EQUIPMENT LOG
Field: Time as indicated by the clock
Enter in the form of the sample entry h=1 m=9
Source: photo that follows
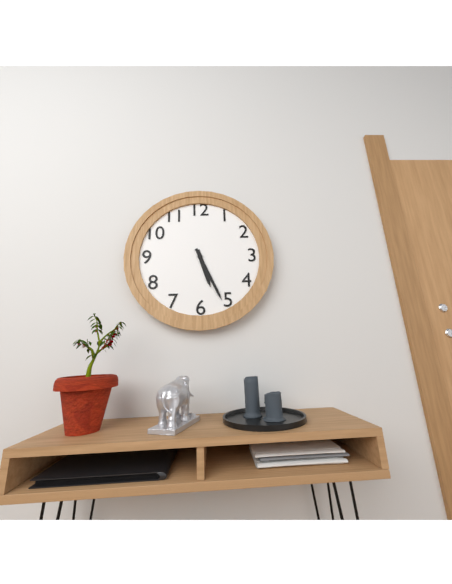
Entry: h=5 m=26
